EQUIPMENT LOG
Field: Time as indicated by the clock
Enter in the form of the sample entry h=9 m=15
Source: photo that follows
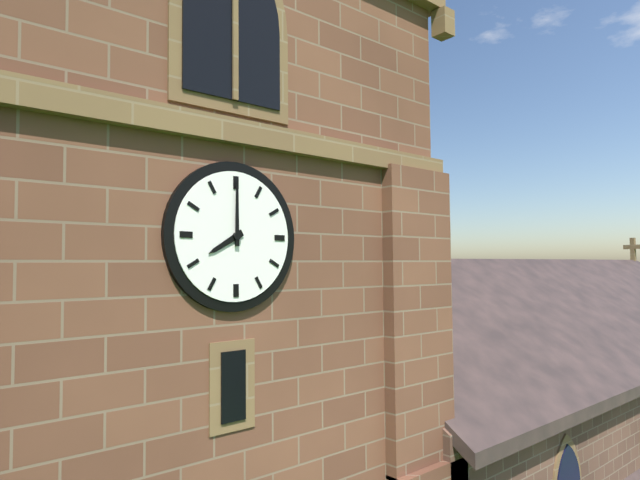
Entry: h=8 m=0
